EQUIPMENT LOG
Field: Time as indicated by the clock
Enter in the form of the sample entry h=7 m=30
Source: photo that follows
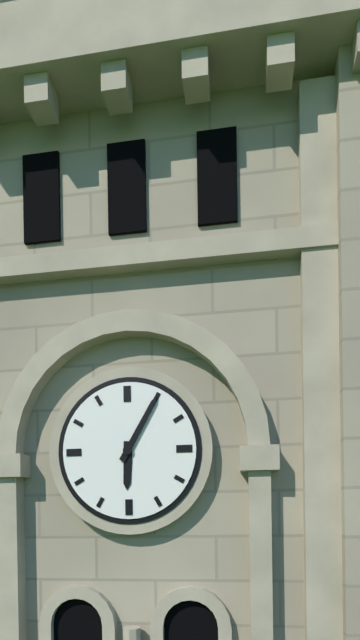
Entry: h=6 m=5
